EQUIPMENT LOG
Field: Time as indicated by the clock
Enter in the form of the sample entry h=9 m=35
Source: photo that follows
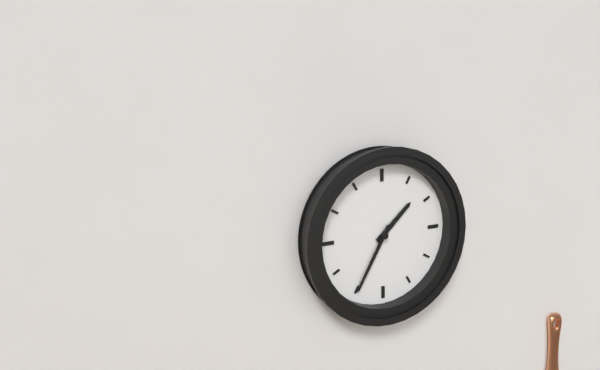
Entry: h=1 m=35
